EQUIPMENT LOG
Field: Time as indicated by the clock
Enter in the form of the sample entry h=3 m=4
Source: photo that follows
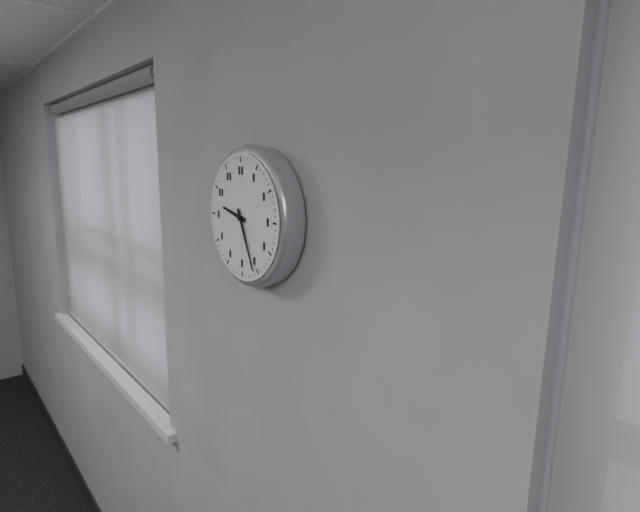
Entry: h=9 m=26
